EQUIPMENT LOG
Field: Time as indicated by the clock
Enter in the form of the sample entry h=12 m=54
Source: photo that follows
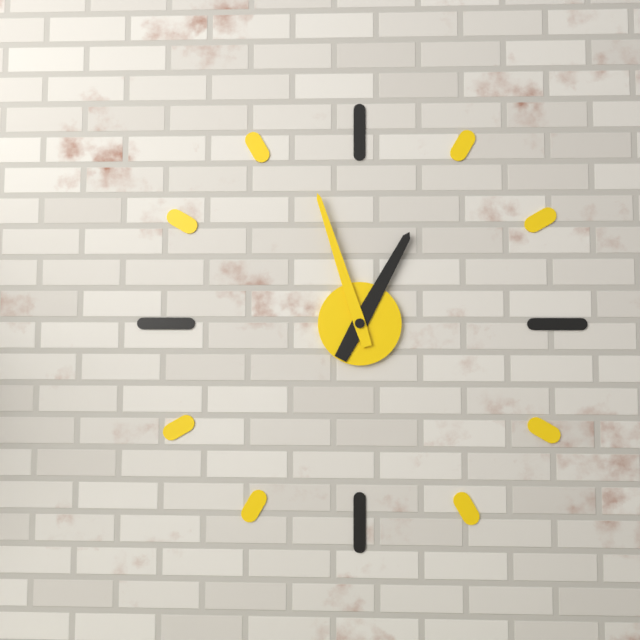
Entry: h=12 m=57
